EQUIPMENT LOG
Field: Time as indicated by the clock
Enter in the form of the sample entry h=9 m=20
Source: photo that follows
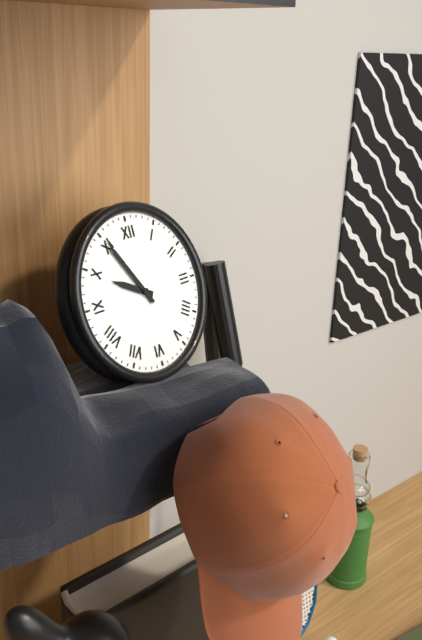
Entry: h=9 m=55
